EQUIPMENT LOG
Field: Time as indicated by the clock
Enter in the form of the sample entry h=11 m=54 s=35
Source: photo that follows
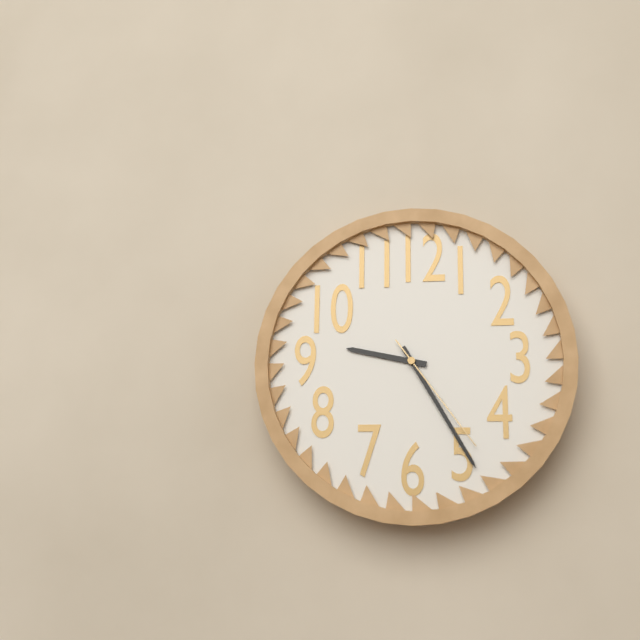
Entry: h=9 m=25 s=24
